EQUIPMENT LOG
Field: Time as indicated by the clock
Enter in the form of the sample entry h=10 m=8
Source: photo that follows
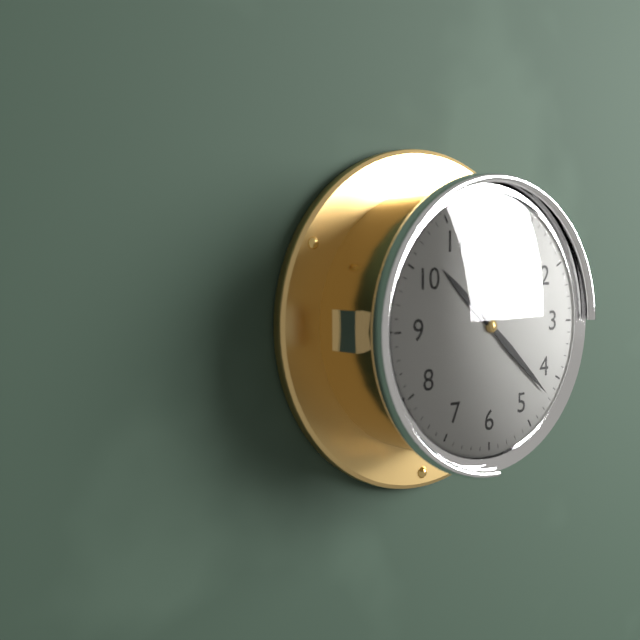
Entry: h=10 m=22
